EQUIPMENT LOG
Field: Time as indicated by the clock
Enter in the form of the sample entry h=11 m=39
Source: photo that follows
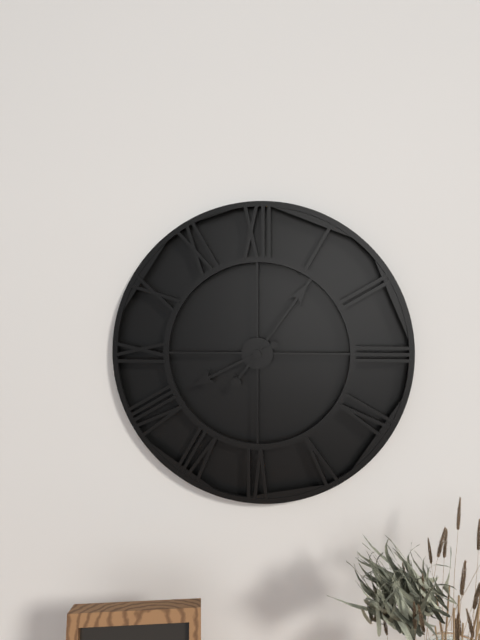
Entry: h=8 m=6
